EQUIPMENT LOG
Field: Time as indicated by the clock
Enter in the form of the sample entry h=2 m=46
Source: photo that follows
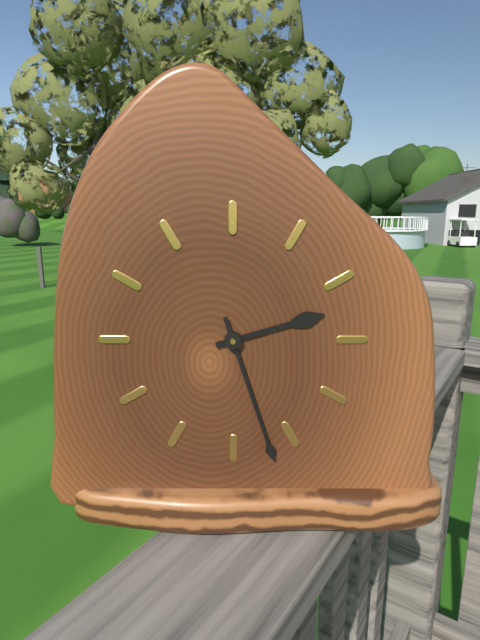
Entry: h=2 m=27
